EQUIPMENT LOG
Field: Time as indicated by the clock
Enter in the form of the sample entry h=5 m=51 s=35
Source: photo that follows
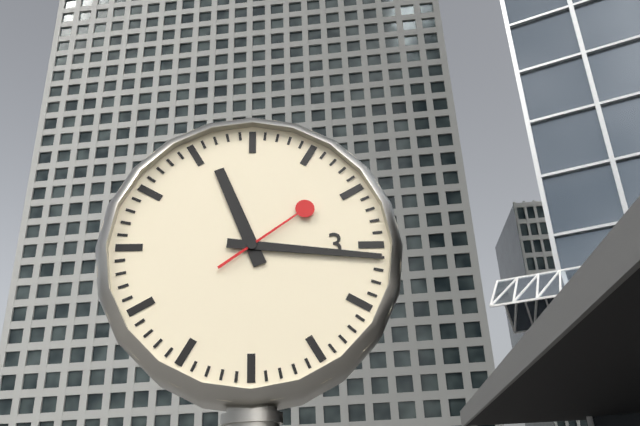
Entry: h=11 m=16 s=9
